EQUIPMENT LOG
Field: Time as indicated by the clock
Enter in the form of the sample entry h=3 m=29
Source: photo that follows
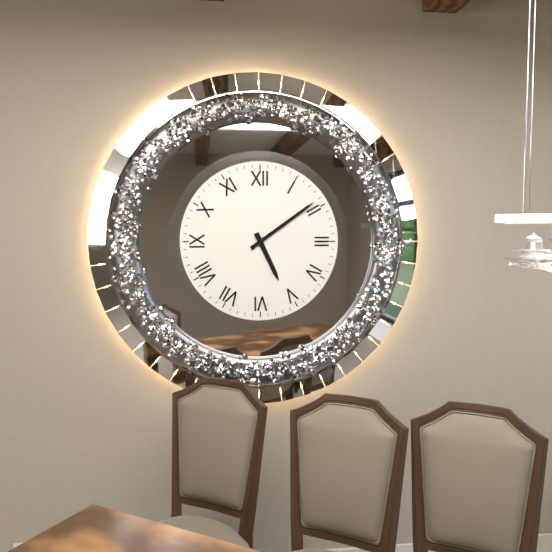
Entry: h=5 m=9
